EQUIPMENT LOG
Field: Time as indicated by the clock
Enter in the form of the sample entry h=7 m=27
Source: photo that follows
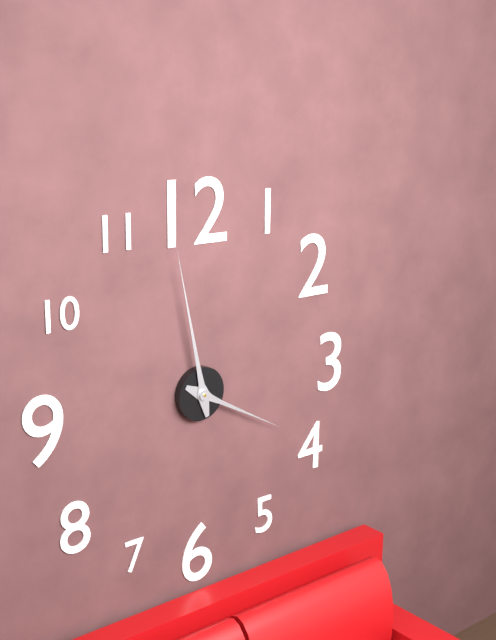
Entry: h=3 m=58
